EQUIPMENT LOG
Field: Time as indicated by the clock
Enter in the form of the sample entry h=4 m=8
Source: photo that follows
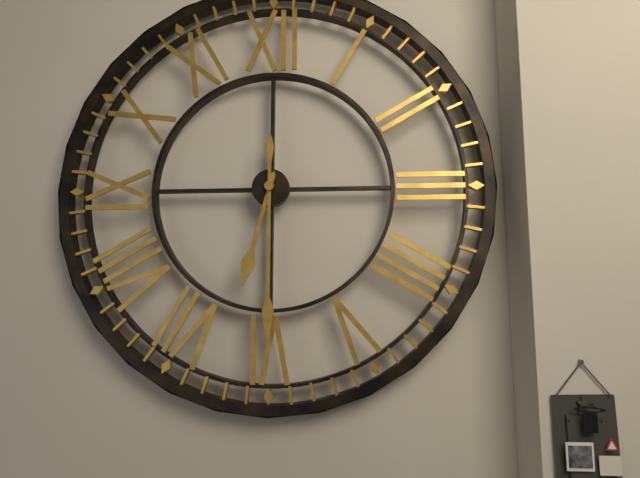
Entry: h=6 m=30
